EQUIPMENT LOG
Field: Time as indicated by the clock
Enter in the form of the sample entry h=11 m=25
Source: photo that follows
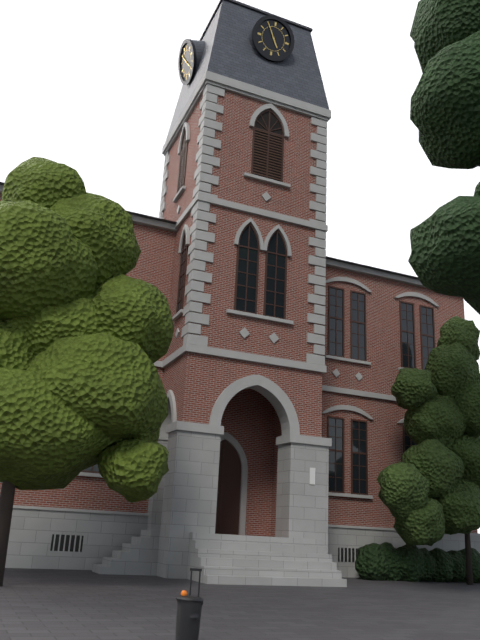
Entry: h=4 m=55
